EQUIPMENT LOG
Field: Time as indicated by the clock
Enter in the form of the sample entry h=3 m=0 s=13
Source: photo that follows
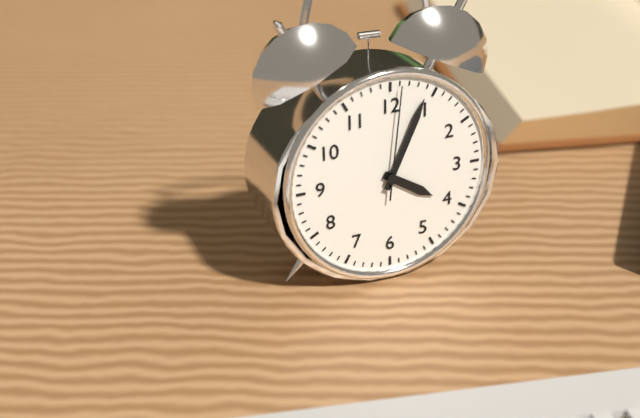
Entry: h=4 m=4 s=1
